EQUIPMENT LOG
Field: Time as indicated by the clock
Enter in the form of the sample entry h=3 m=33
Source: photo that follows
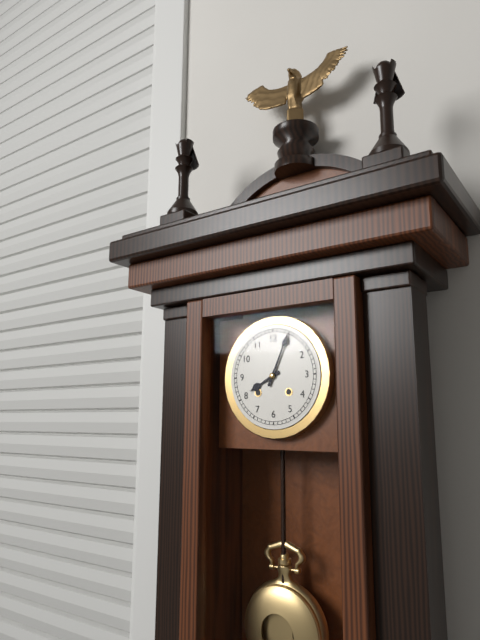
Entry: h=8 m=4
